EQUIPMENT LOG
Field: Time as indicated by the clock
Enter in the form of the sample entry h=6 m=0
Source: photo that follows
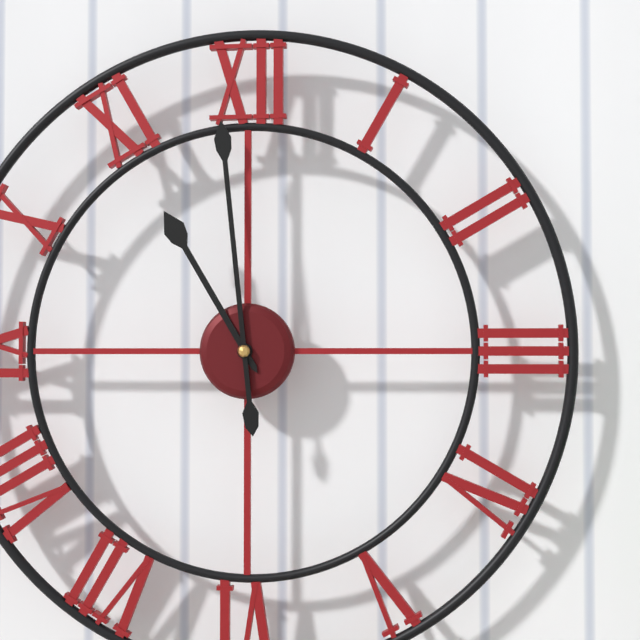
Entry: h=10 m=59
